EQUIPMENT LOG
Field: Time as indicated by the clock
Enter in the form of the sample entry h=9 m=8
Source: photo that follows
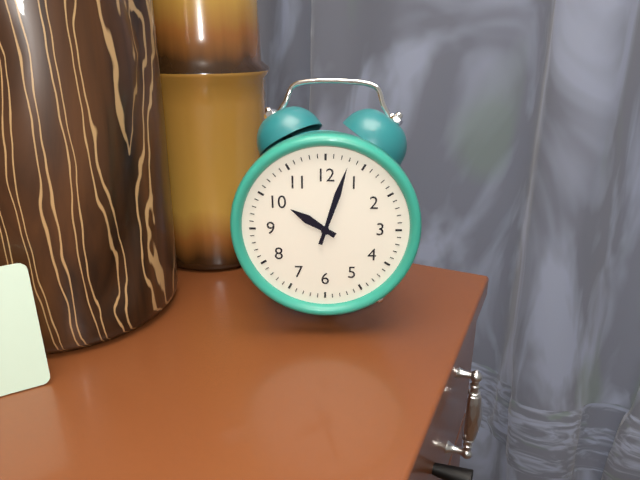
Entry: h=10 m=3
